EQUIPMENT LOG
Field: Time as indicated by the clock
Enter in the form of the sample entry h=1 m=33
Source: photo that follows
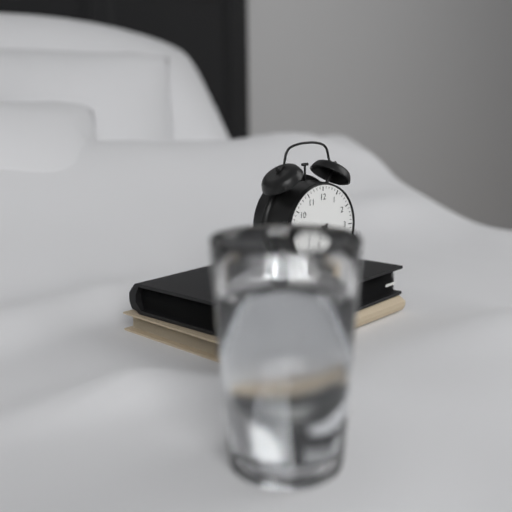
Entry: h=8 m=40
